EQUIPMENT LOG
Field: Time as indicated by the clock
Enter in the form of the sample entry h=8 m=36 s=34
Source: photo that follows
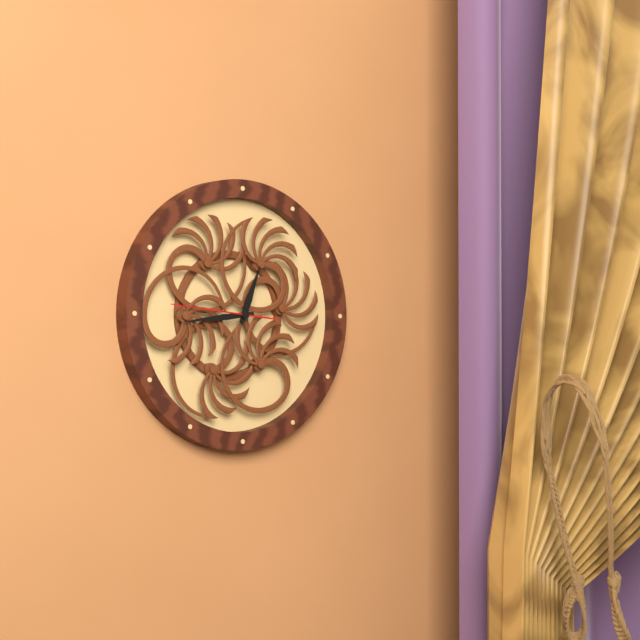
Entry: h=12 m=44 s=46
